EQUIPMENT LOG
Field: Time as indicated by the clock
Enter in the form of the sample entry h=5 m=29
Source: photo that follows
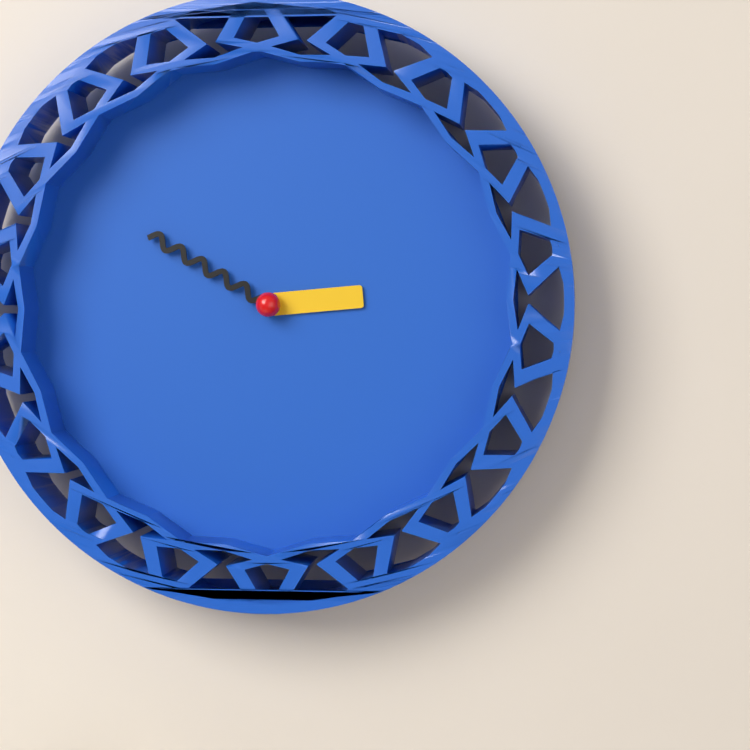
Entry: h=2 m=50
